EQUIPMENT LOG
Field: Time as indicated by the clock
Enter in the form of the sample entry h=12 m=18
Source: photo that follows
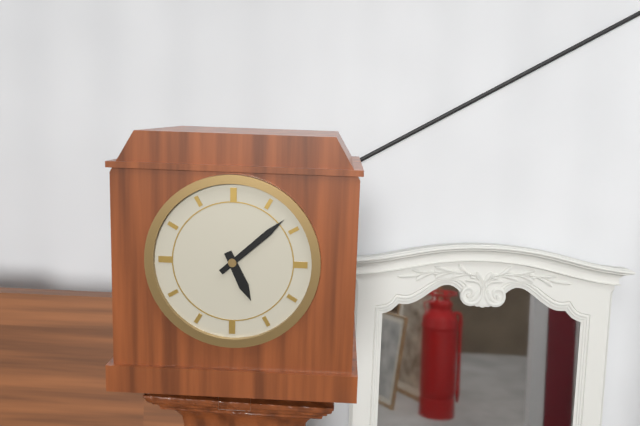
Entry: h=5 m=8
